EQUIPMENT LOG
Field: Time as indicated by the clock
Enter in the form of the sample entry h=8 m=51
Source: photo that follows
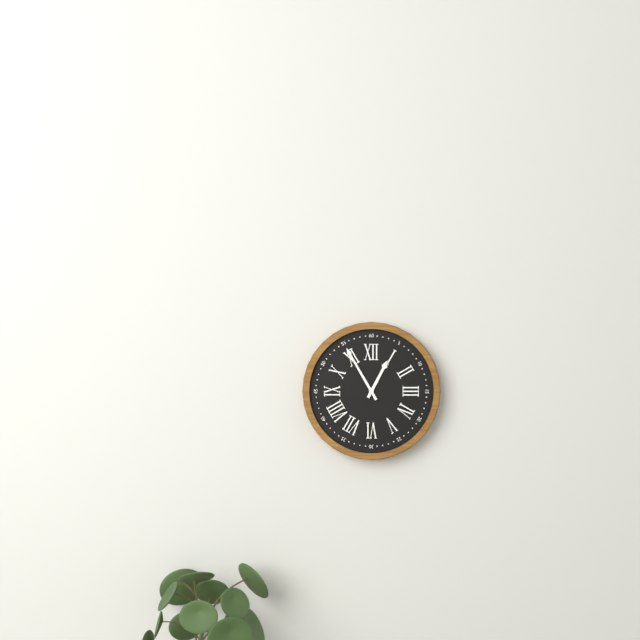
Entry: h=12 m=55
